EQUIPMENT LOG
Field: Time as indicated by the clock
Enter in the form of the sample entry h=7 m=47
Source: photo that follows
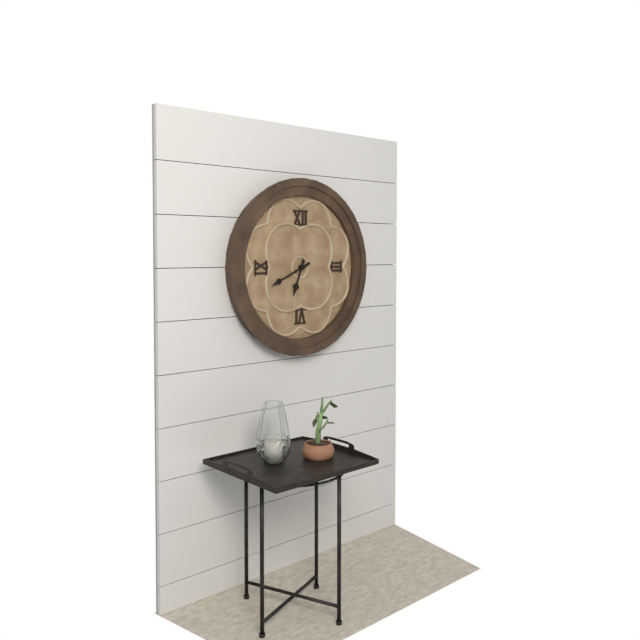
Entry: h=6 m=41
